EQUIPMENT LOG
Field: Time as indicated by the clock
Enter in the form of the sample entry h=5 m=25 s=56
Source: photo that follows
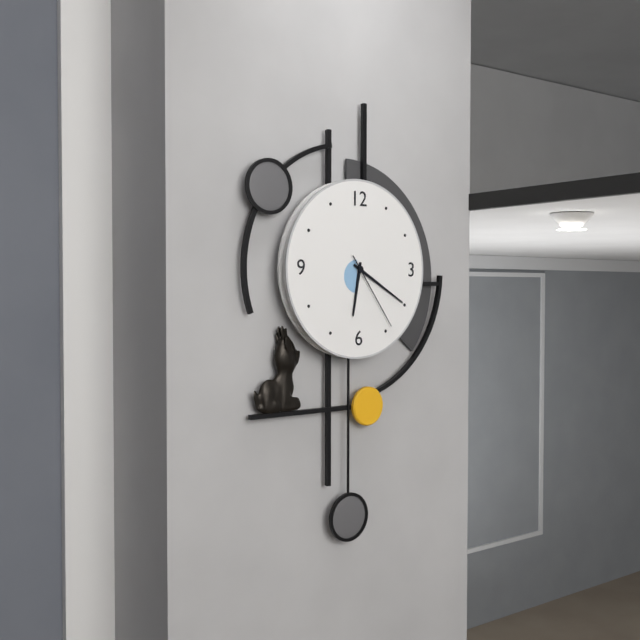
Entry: h=6 m=20 s=24
